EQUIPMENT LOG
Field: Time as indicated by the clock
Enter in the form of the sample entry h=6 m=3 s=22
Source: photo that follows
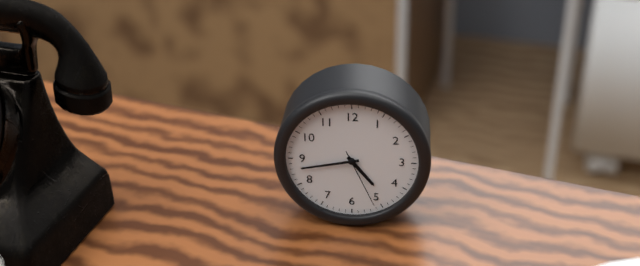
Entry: h=4 m=43 s=26
